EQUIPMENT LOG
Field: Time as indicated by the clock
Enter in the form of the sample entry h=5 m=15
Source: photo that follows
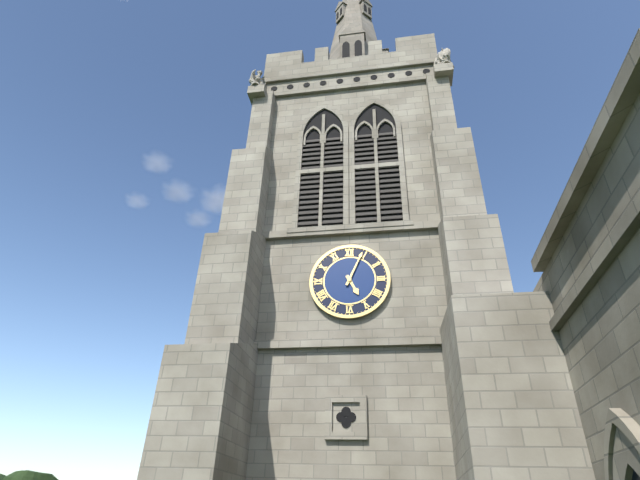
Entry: h=5 m=4
